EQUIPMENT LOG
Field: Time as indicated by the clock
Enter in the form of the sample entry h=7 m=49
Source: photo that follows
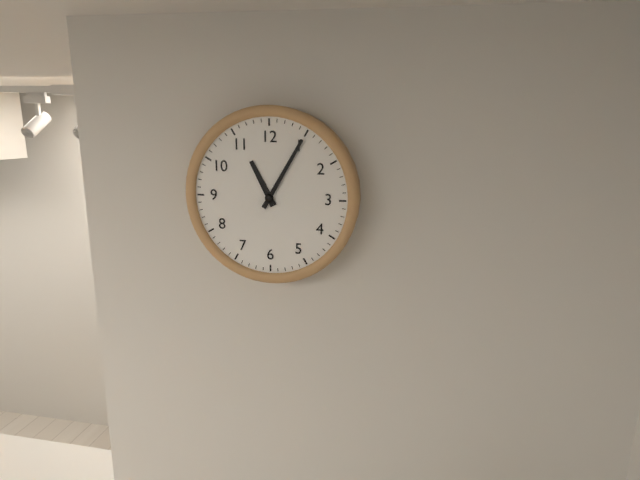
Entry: h=11 m=5
